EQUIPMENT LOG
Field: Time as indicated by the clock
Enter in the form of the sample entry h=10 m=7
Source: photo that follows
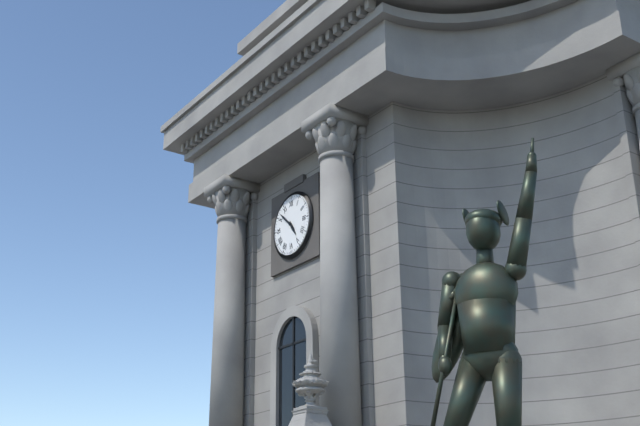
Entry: h=4 m=52
